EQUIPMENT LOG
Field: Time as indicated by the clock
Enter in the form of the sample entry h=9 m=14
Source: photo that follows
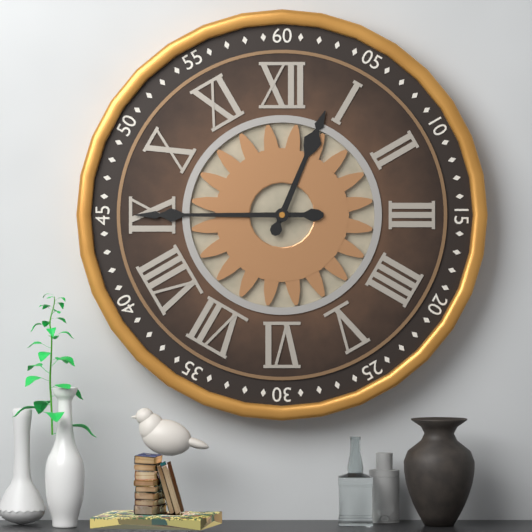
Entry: h=12 m=45
